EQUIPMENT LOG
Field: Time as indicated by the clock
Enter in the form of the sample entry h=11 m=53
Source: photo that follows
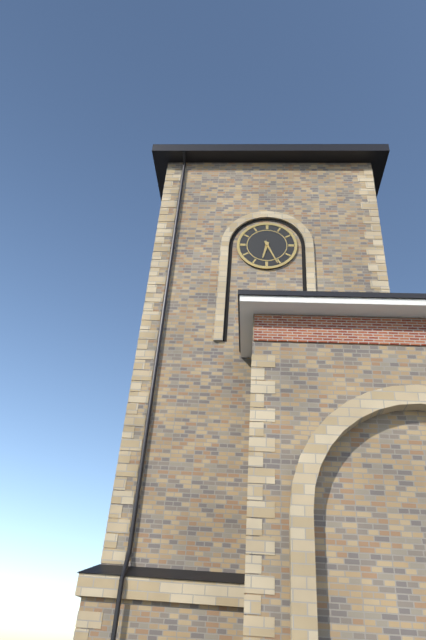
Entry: h=6 m=26
